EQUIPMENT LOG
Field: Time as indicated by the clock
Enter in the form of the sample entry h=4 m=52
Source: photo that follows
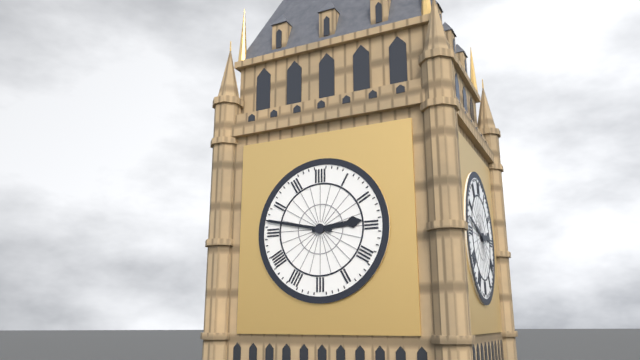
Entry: h=2 m=47
